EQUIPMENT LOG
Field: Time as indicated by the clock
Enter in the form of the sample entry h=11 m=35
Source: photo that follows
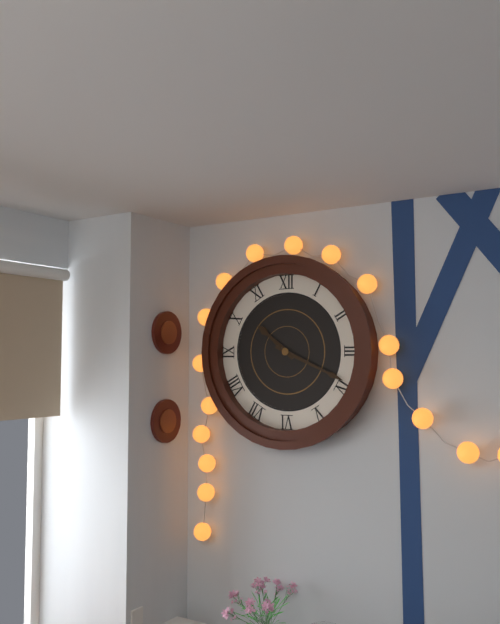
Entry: h=10 m=19
